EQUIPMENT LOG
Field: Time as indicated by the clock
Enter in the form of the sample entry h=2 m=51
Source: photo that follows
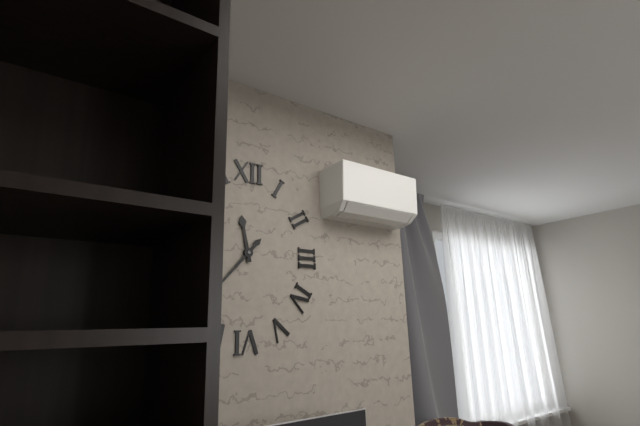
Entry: h=11 m=37
